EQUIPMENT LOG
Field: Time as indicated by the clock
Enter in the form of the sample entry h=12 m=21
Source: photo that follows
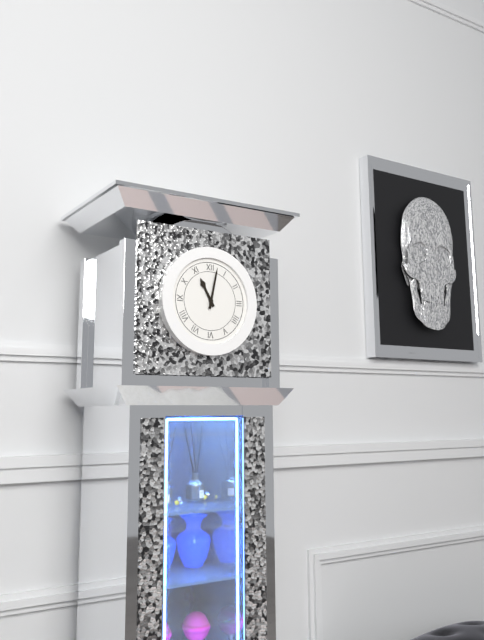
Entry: h=11 m=2
